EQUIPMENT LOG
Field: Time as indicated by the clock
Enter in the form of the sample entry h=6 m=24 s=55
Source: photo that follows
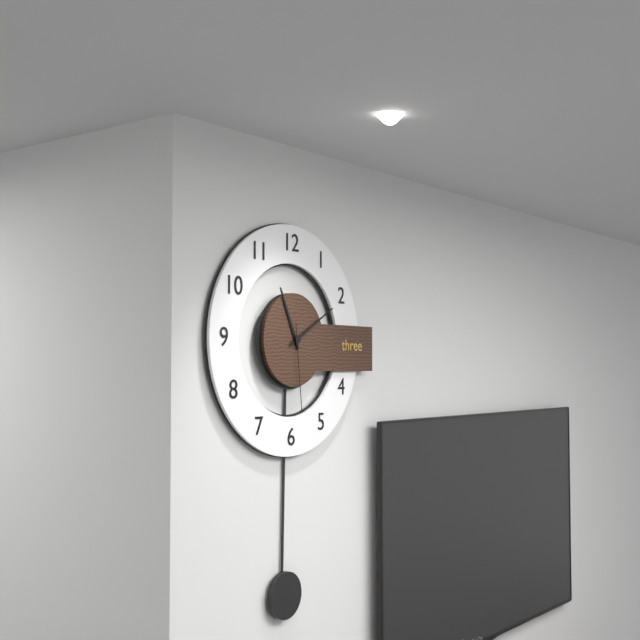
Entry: h=11 m=10 s=29
